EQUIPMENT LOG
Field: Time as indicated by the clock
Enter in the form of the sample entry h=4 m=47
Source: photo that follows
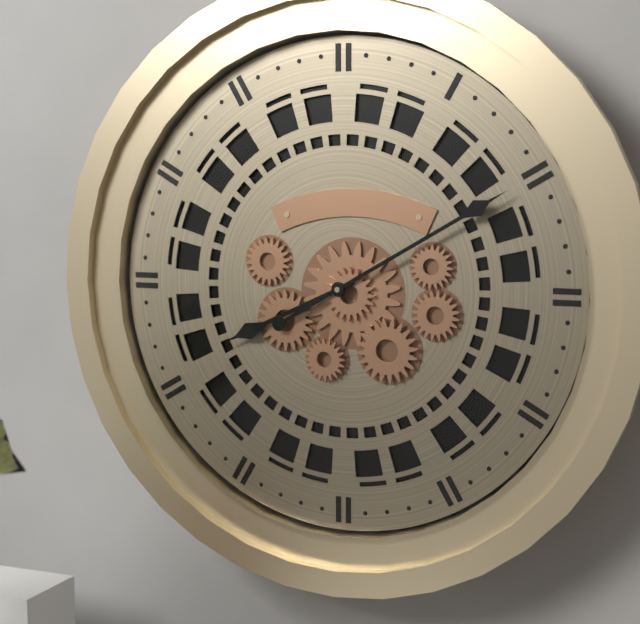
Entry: h=8 m=10
